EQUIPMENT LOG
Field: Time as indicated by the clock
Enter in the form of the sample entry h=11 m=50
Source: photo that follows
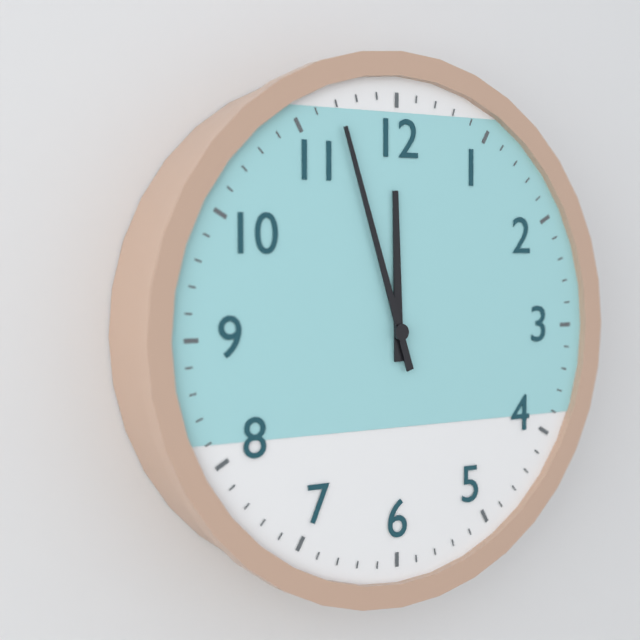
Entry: h=11 m=57
